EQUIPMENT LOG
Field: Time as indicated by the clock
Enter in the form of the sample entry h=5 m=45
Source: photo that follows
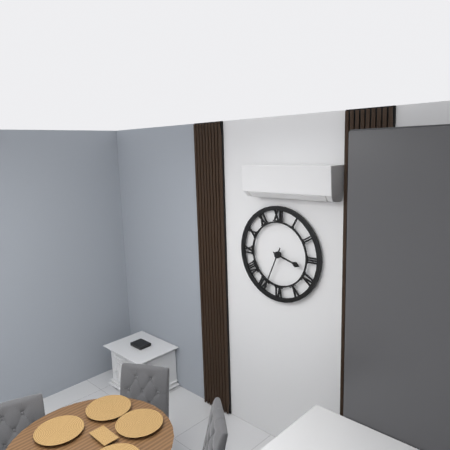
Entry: h=3 m=34
